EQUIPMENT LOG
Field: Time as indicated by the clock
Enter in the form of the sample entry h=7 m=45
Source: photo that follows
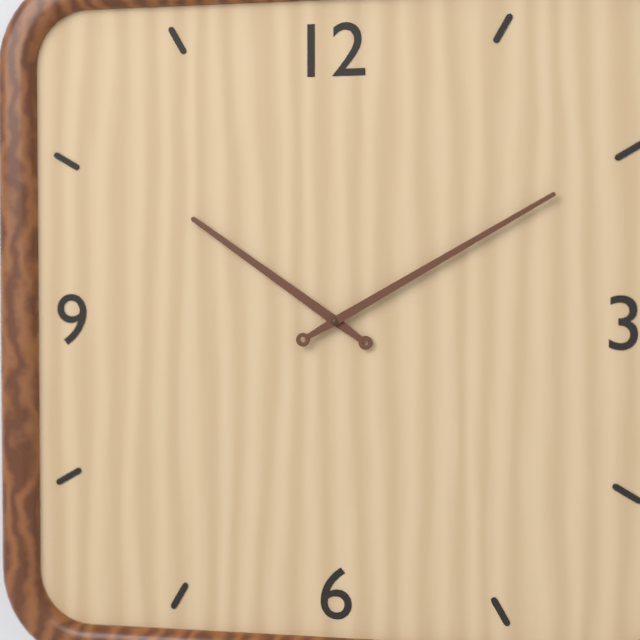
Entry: h=10 m=10
